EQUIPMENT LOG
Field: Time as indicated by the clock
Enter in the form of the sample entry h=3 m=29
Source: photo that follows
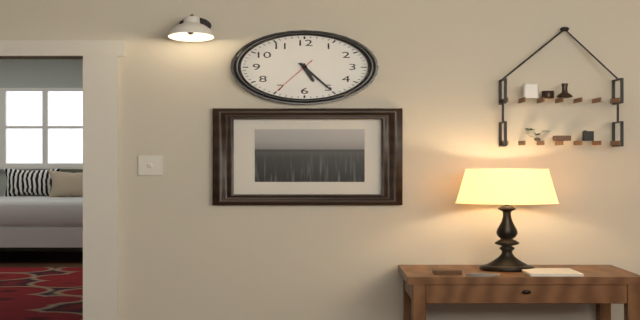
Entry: h=5 m=25
